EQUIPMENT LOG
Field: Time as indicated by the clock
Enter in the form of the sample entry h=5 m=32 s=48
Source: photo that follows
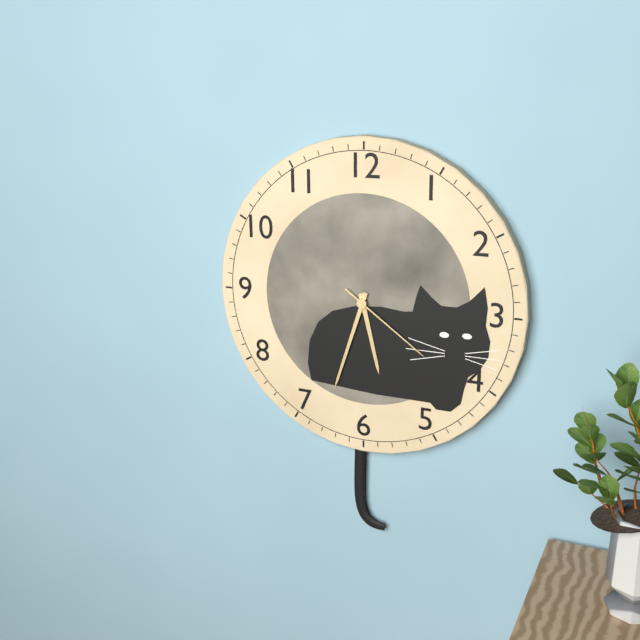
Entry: h=5 m=33 s=21
